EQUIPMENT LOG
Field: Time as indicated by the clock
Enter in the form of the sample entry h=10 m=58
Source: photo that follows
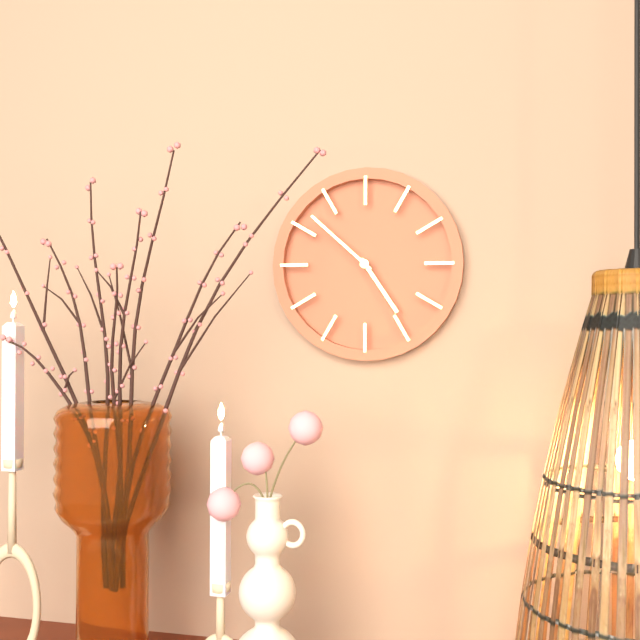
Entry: h=4 m=52
